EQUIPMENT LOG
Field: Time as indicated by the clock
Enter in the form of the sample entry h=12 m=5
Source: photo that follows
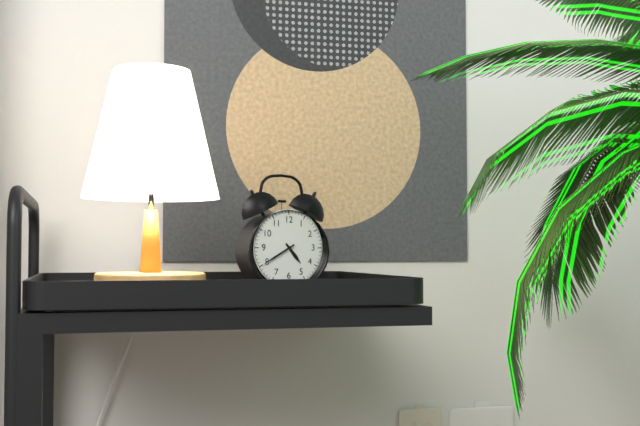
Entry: h=4 m=40
